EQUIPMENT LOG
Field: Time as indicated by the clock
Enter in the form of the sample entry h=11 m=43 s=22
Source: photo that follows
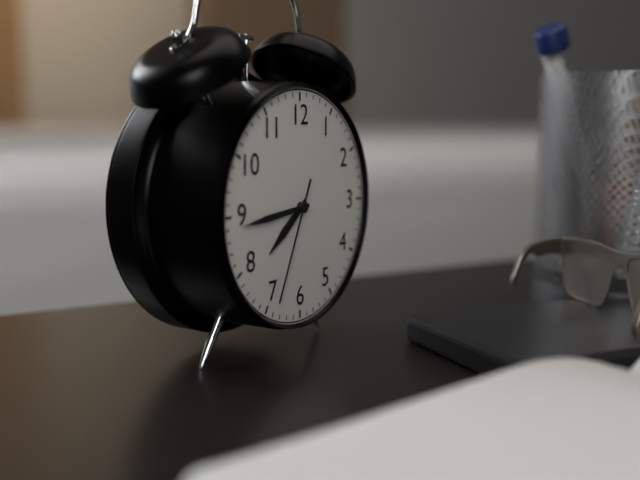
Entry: h=7 m=44 s=34
